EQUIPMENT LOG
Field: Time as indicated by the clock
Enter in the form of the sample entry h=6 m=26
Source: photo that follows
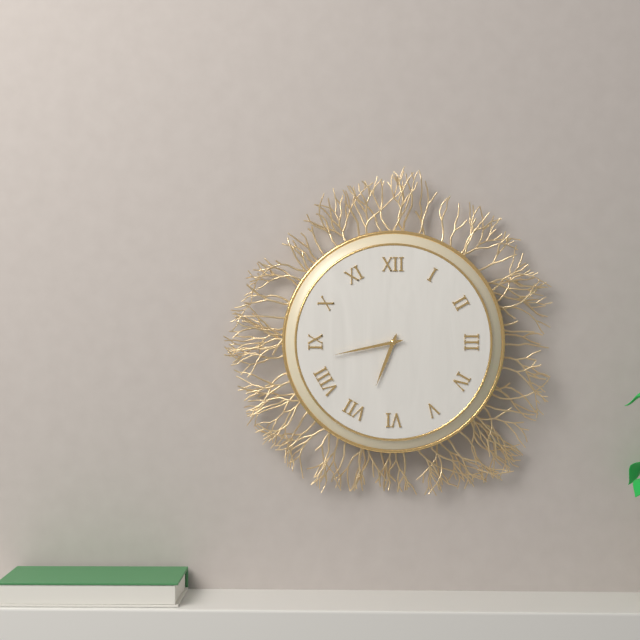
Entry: h=6 m=43
